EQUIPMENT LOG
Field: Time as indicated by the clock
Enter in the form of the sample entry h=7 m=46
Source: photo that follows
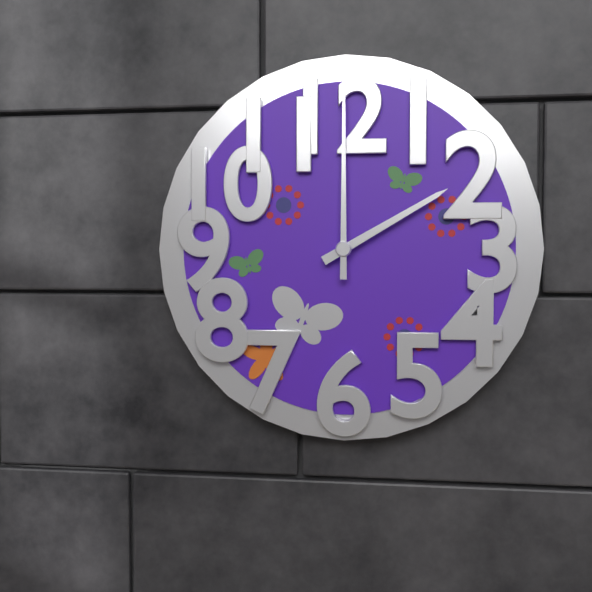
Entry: h=2 m=0
